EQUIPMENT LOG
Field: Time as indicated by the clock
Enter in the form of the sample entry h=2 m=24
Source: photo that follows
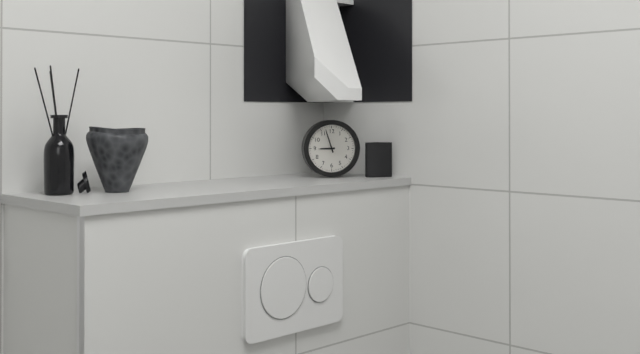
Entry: h=8 m=57
